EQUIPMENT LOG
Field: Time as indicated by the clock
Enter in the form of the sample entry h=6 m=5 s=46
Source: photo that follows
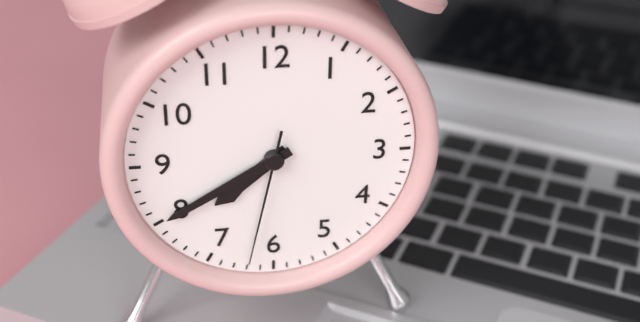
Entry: h=7 m=40 s=32
